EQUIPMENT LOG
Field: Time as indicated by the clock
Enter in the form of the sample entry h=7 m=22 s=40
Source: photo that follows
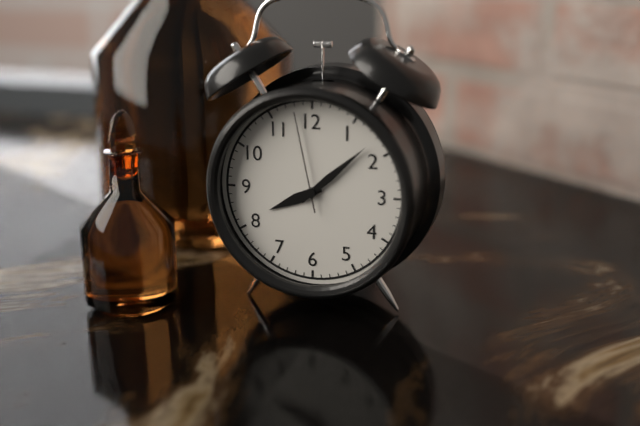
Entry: h=8 m=8 s=58
